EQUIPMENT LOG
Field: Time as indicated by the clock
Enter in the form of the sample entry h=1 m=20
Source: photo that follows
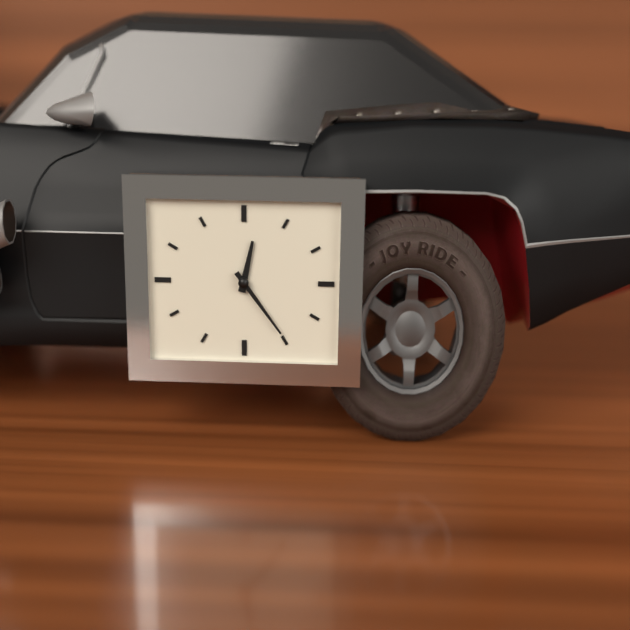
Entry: h=12 m=24
